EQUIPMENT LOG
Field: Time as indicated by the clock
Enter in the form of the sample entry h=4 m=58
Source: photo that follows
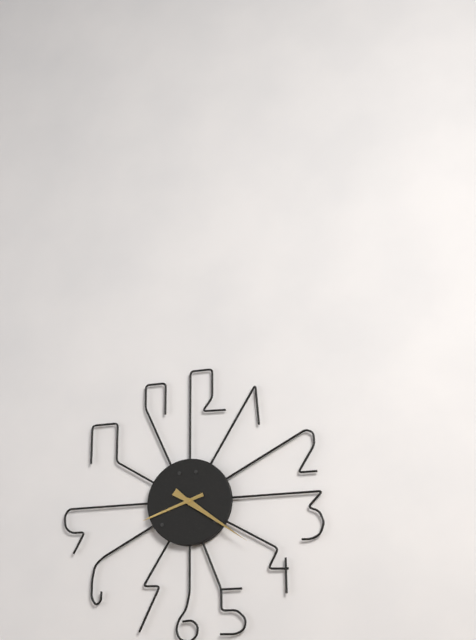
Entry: h=8 m=21
